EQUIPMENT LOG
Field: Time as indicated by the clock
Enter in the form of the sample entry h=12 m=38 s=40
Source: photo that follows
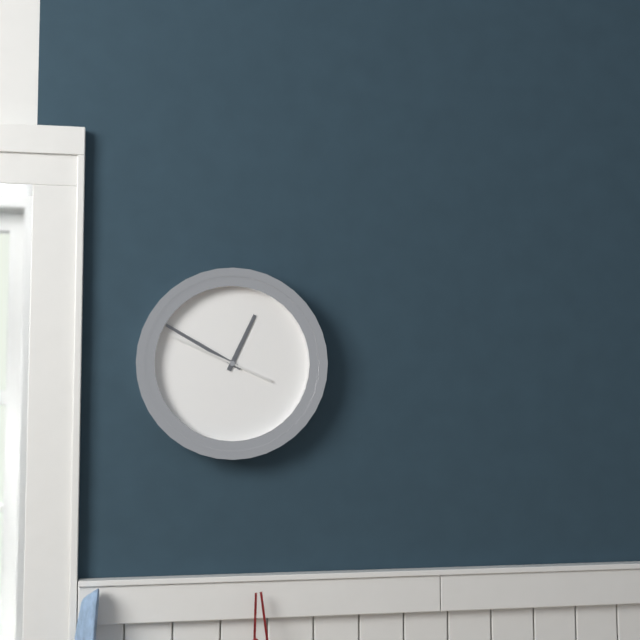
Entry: h=12 m=50 s=49
